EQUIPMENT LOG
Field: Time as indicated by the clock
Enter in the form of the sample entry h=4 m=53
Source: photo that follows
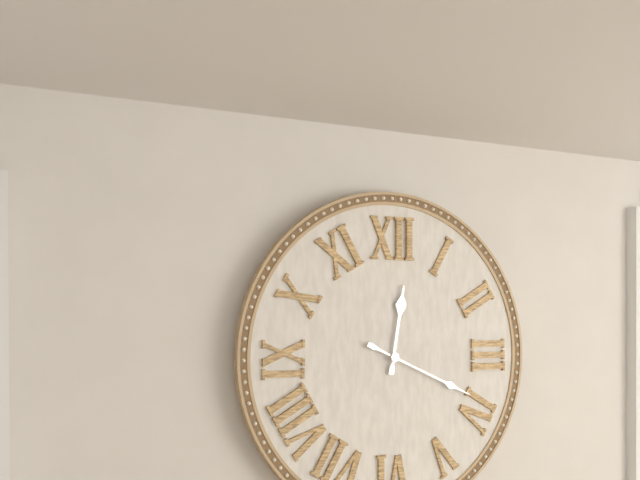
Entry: h=12 m=19
